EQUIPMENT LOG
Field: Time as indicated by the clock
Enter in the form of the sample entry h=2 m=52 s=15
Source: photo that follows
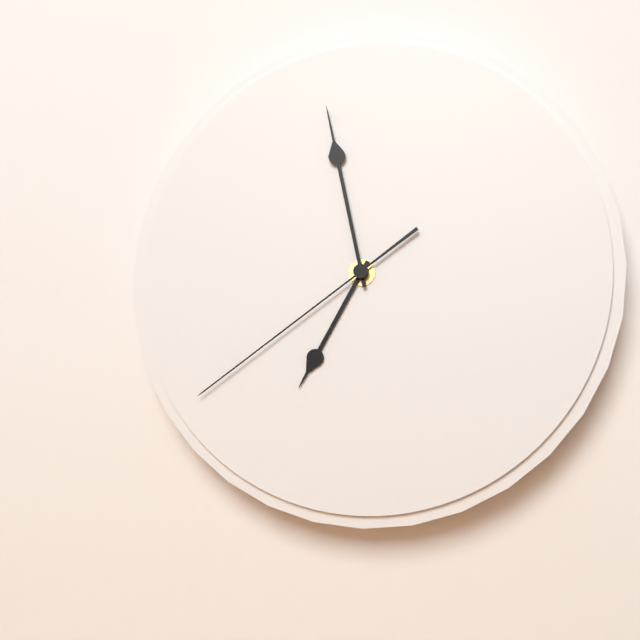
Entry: h=6 m=58 s=39
